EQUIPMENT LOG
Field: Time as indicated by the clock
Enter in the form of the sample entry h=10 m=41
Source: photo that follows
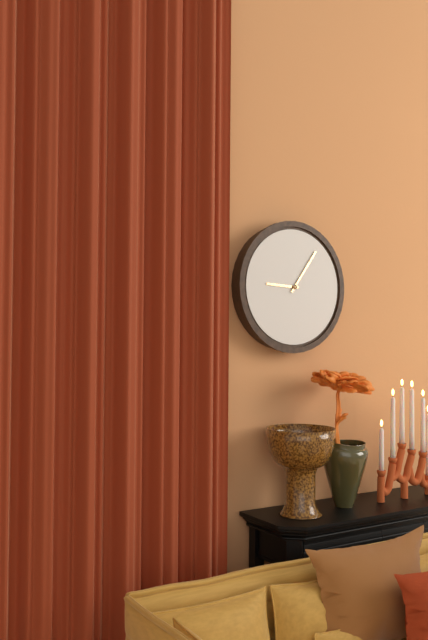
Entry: h=9 m=6
